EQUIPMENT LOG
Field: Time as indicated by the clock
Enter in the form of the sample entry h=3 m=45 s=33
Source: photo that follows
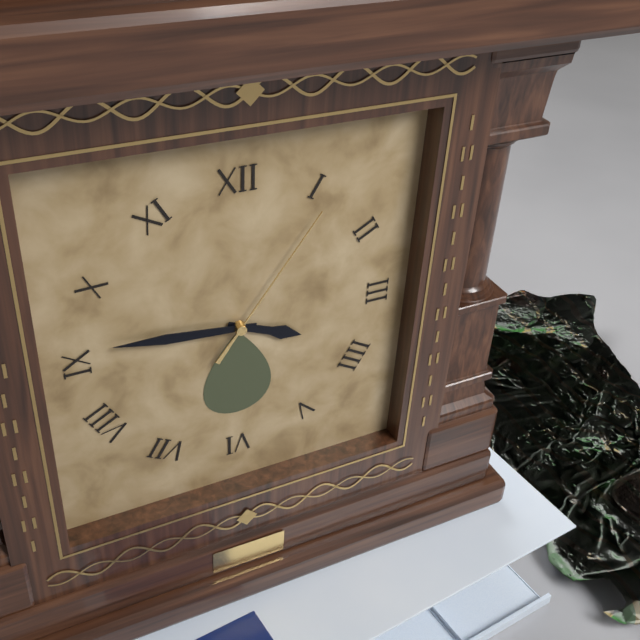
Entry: h=3 m=46 s=6
